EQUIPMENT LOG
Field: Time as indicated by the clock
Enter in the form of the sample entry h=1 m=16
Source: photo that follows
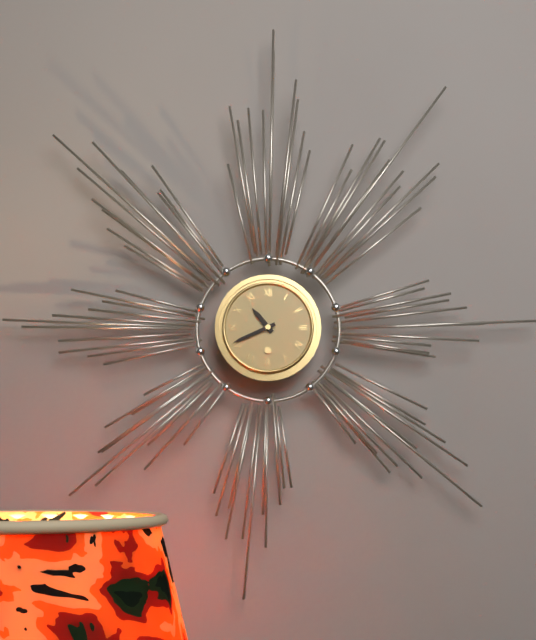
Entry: h=10 m=41
